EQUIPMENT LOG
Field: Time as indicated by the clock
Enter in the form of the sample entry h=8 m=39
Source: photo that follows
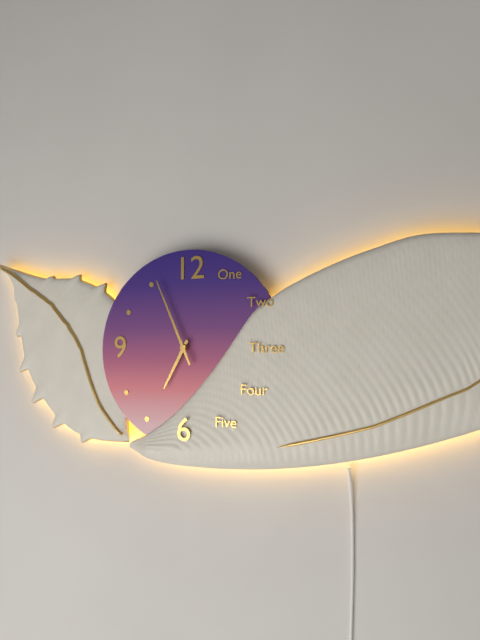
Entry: h=6 m=56
